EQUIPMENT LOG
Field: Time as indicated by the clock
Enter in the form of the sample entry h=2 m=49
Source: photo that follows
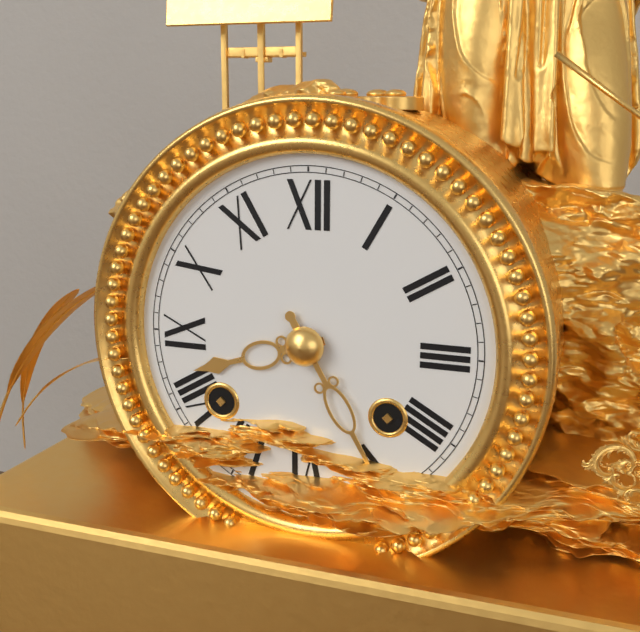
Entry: h=8 m=25
